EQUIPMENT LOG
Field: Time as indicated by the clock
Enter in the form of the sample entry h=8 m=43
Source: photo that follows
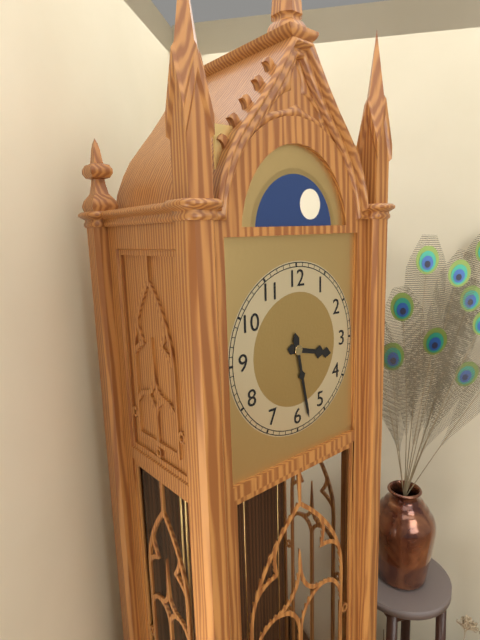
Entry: h=3 m=28
